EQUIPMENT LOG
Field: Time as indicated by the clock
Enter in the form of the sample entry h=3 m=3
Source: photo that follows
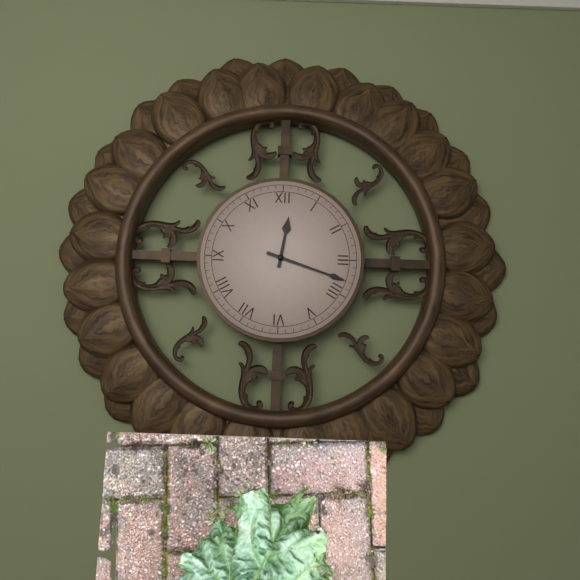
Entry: h=12 m=18
